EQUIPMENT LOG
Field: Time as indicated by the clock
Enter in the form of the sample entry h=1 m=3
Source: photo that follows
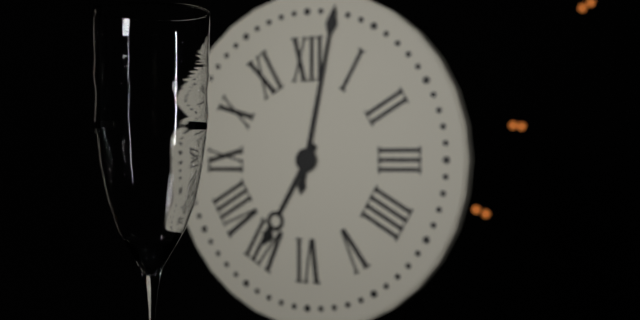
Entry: h=7 m=2
